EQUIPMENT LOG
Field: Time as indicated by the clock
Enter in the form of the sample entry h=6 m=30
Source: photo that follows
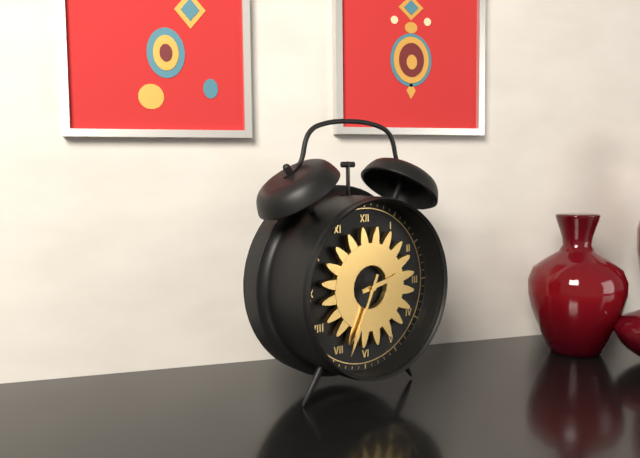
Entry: h=2 m=34
